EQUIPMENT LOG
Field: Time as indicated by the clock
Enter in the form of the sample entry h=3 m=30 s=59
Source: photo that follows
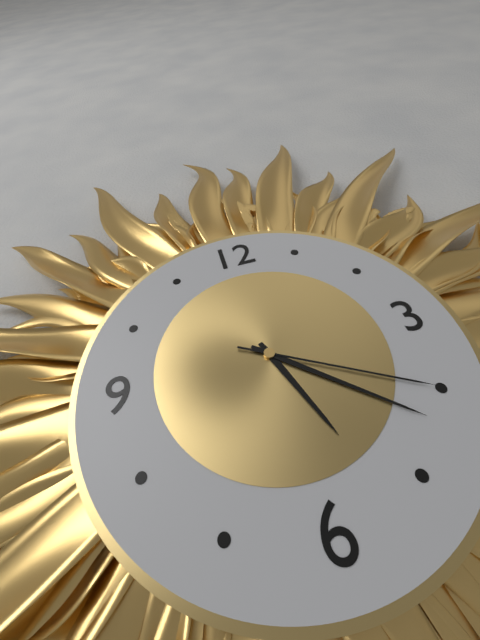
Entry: h=5 m=22 s=20
